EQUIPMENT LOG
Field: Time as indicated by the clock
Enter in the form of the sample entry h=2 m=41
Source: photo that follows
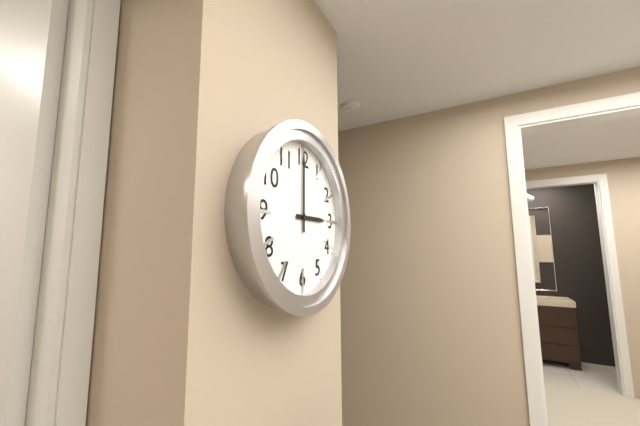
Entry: h=3 m=0
